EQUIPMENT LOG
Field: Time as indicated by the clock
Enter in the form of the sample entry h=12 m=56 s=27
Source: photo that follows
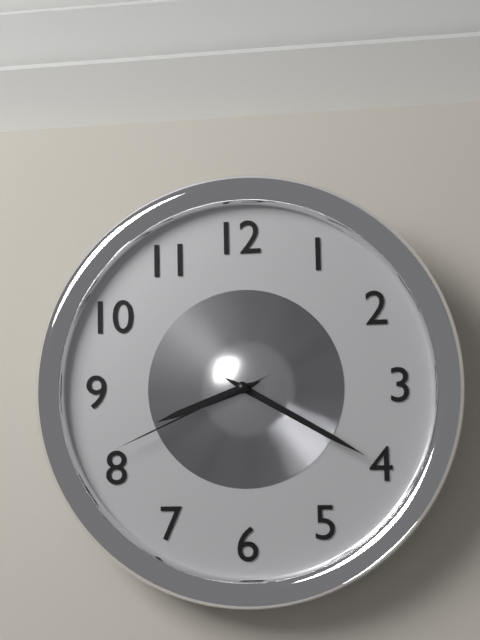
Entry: h=8 m=20 s=41
